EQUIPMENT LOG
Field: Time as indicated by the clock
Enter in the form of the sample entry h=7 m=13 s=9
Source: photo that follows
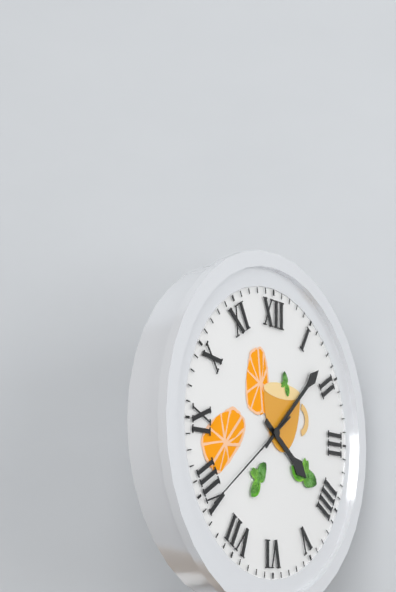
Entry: h=4 m=8 s=39
